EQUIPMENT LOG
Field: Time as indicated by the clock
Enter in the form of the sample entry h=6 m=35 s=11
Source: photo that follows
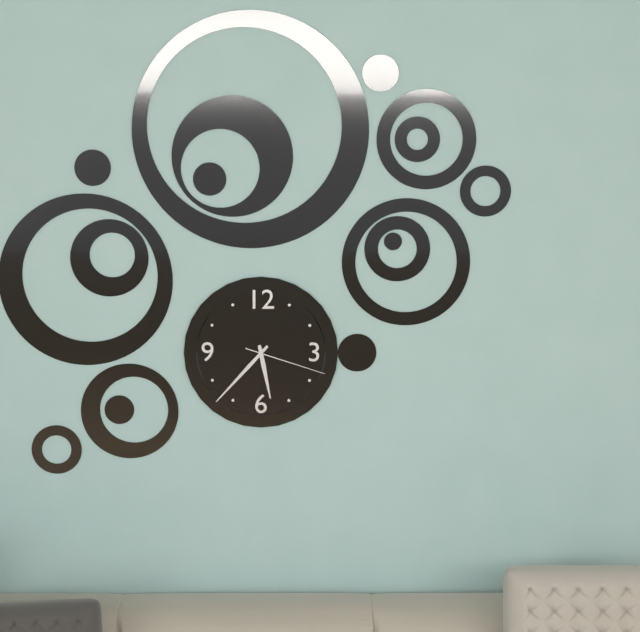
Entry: h=5 m=37 s=18
